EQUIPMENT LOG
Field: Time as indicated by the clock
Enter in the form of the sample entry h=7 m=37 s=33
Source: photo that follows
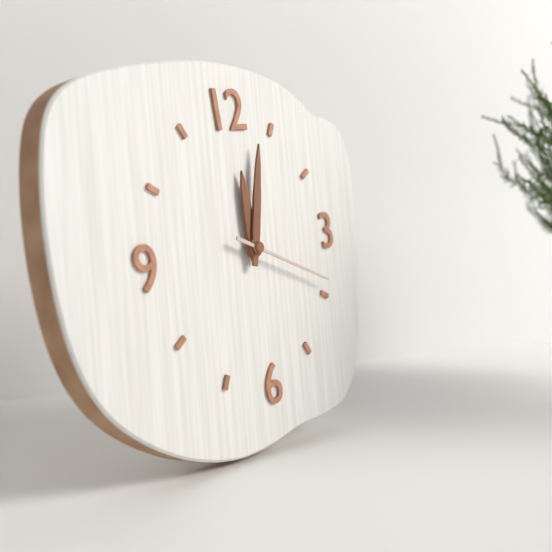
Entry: h=12 m=3 s=19
